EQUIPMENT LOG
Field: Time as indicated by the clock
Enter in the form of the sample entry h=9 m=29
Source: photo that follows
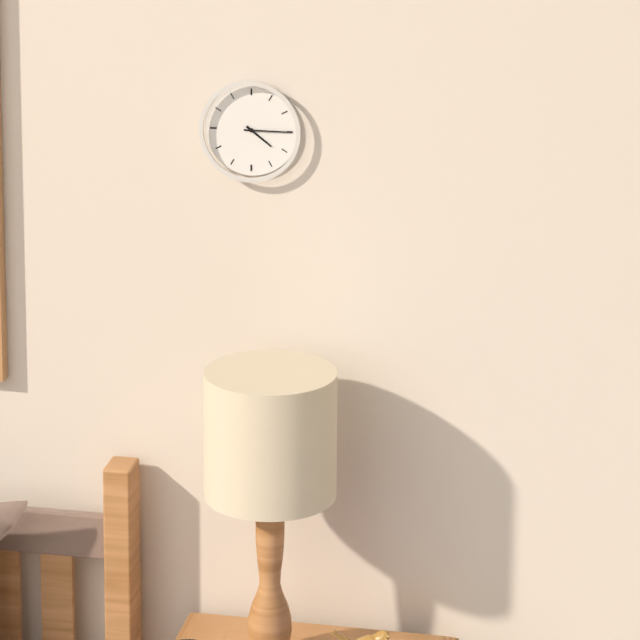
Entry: h=4 m=15
